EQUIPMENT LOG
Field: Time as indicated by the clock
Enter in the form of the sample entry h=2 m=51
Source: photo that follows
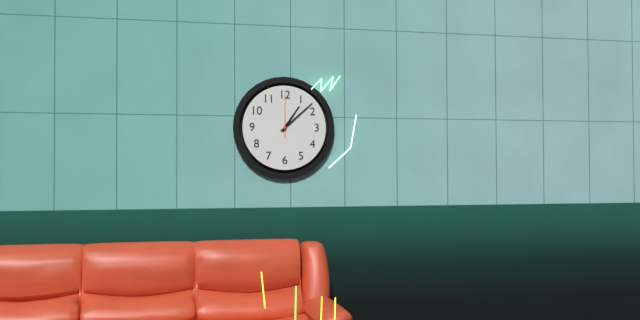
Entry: h=1 m=8
